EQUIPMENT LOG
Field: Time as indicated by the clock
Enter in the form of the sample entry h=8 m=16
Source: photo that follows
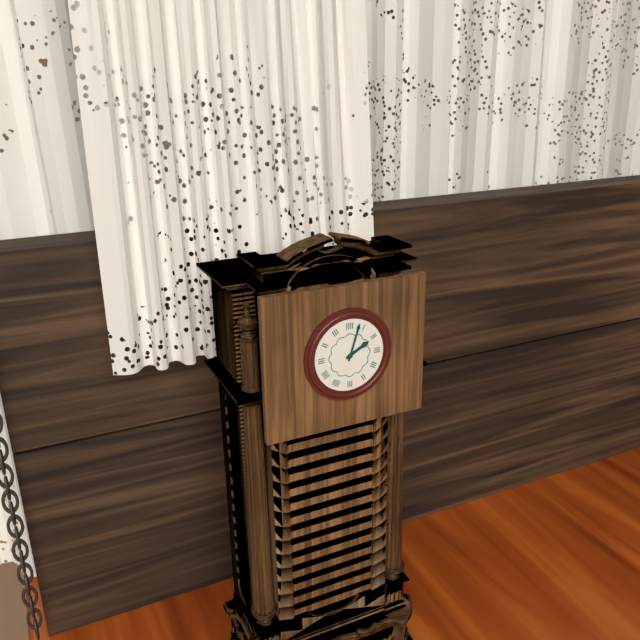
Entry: h=2 m=3
